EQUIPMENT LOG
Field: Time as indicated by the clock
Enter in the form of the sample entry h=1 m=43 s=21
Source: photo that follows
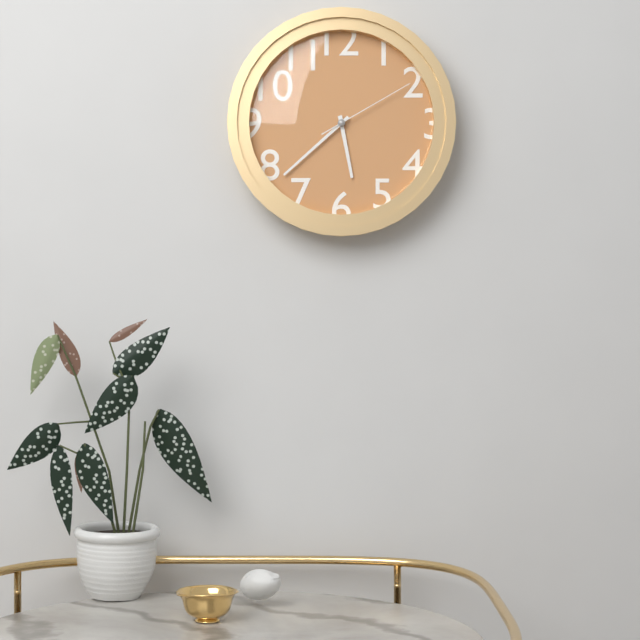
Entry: h=5 m=38 s=10
